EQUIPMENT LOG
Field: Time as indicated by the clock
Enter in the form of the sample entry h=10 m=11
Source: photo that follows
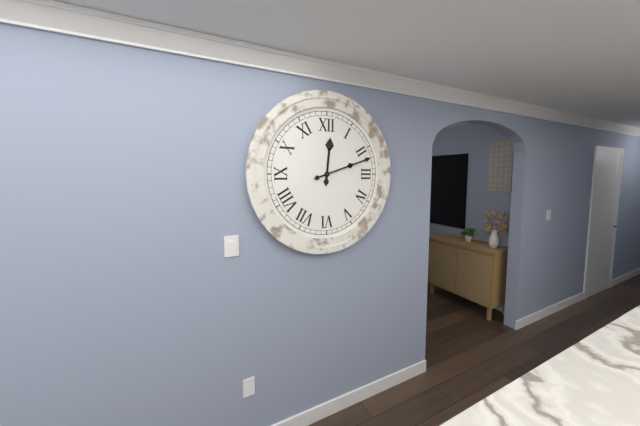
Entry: h=12 m=12
